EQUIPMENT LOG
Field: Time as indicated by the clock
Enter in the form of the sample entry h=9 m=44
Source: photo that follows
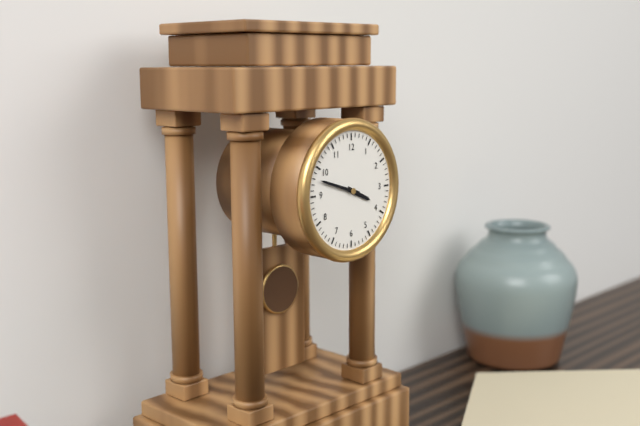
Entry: h=3 m=48
